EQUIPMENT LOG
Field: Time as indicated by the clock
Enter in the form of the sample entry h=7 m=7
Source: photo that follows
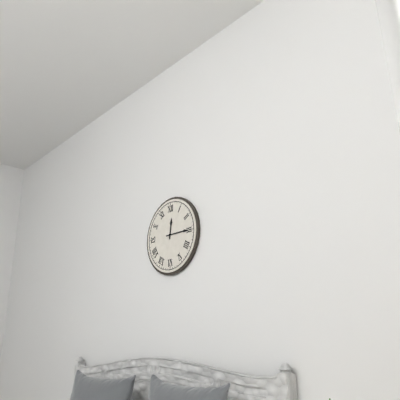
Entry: h=12 m=15
